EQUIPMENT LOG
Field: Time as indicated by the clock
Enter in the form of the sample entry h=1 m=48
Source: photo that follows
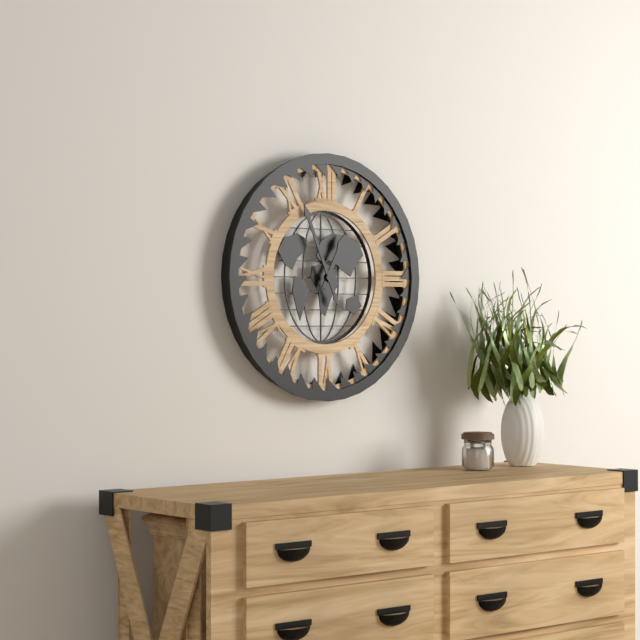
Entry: h=12 m=56
